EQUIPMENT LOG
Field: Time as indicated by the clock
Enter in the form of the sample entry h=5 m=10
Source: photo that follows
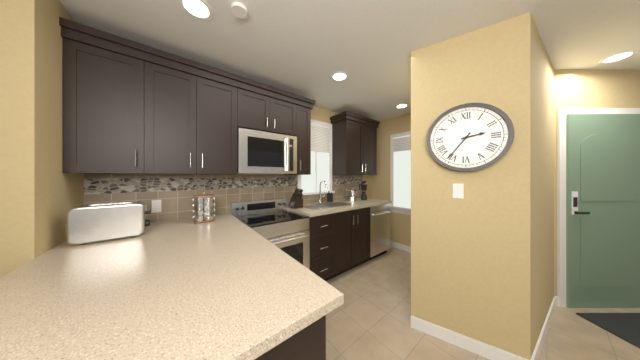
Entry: h=2 m=36
